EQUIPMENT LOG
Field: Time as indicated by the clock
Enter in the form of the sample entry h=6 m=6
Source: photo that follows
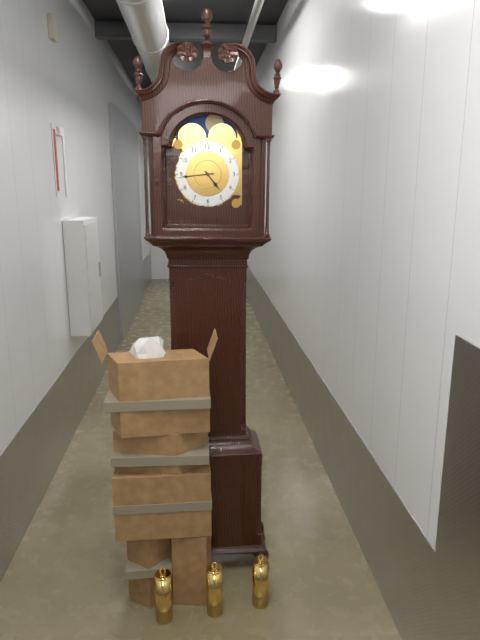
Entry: h=4 m=44
